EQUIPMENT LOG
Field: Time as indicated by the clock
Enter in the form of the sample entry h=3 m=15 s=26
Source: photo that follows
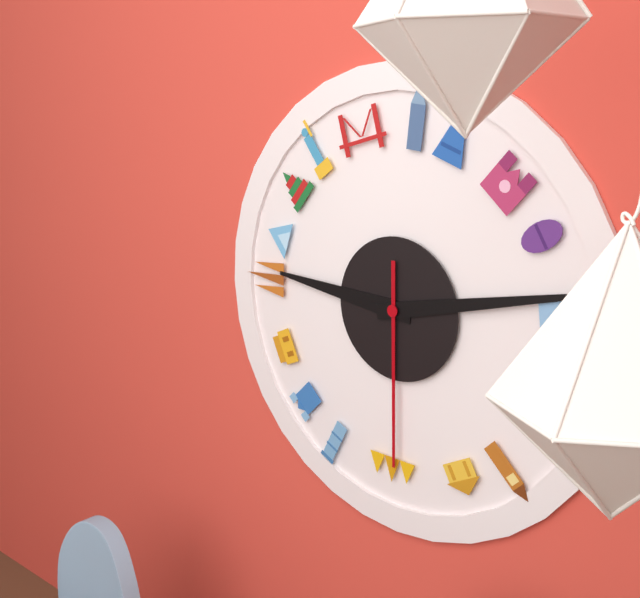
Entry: h=9 m=13 s=30
